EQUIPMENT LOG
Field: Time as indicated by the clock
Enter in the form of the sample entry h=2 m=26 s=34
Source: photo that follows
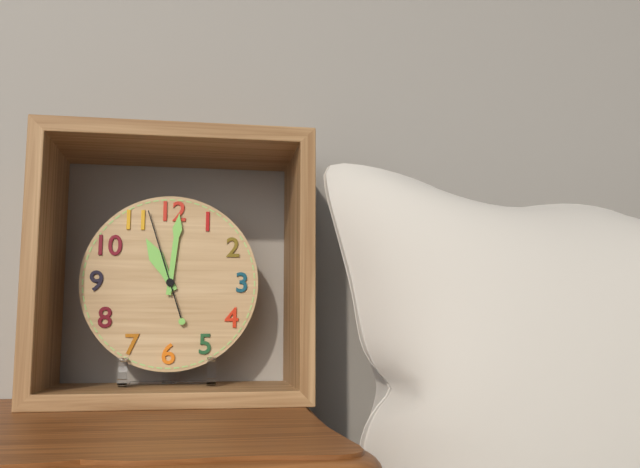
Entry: h=11 m=1 s=57
